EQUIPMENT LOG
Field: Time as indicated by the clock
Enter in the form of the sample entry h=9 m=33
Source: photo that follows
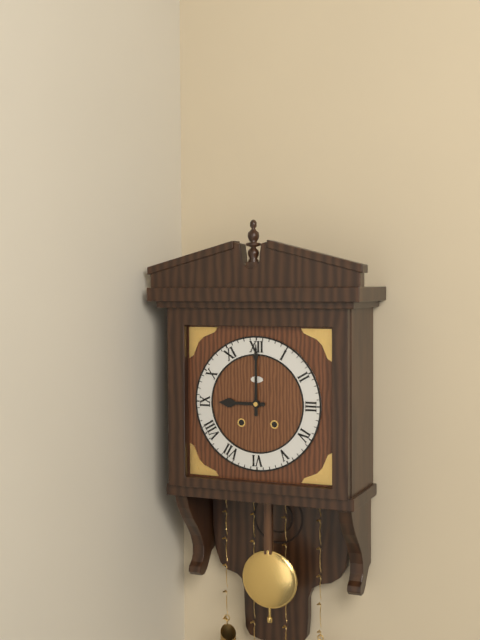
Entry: h=9 m=0
